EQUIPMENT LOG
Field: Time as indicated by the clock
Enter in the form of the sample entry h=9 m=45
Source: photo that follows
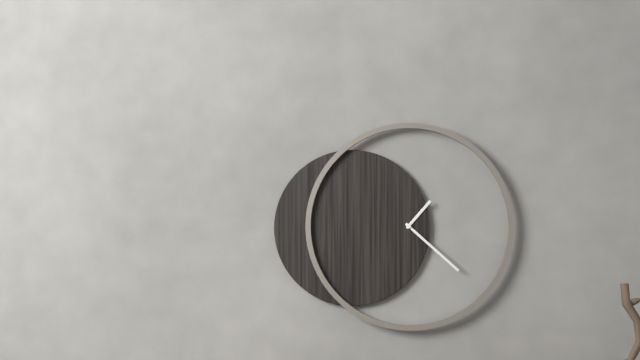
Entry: h=1 m=22
